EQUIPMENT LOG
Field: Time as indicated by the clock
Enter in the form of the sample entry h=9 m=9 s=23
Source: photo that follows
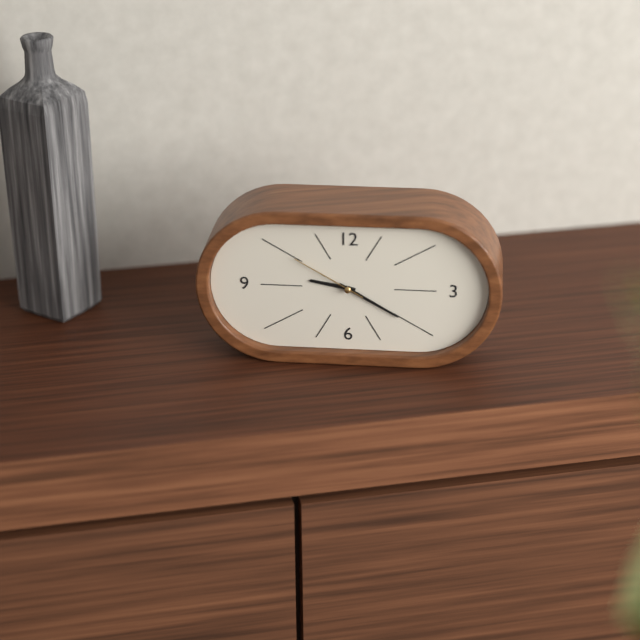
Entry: h=9 m=20 s=50
